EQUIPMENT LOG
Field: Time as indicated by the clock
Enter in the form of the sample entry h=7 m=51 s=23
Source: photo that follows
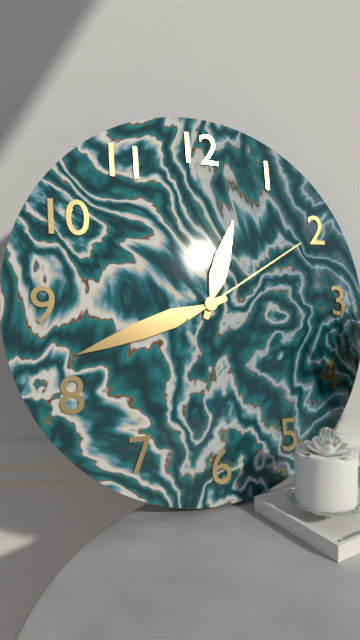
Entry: h=12 m=42 s=10
